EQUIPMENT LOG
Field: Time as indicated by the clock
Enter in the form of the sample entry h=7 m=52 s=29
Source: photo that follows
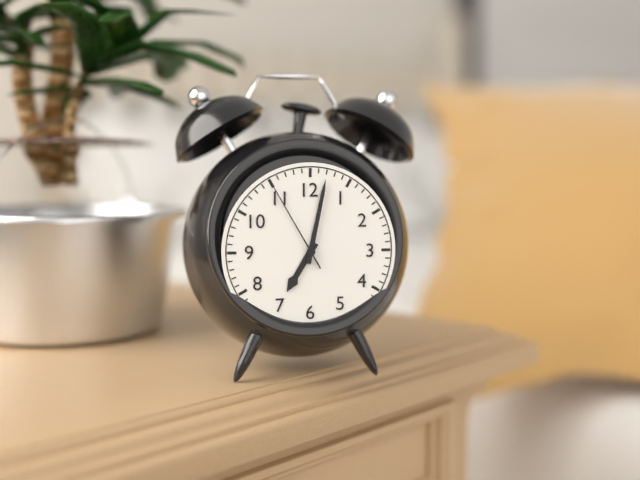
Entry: h=7 m=2 s=55
